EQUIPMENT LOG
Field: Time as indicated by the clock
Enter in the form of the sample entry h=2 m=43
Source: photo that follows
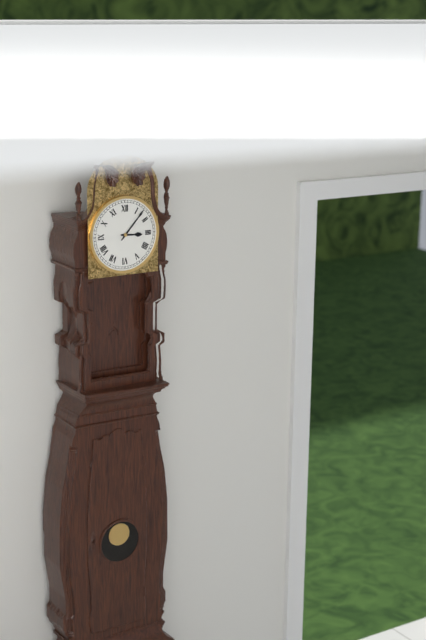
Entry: h=3 m=7
